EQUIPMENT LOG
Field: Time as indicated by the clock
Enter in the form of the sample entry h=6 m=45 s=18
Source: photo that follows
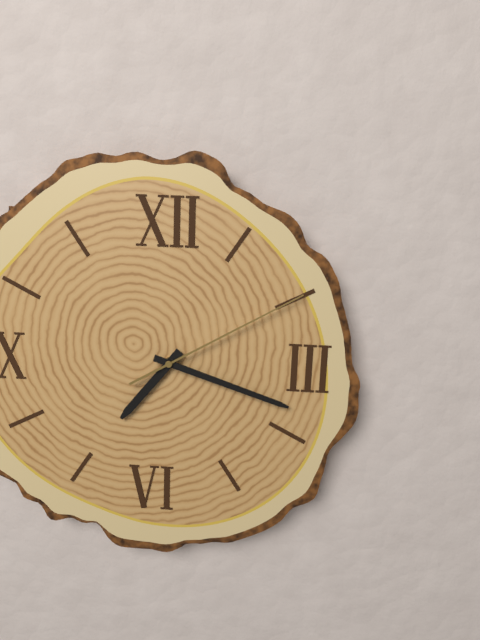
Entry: h=7 m=18 s=10
